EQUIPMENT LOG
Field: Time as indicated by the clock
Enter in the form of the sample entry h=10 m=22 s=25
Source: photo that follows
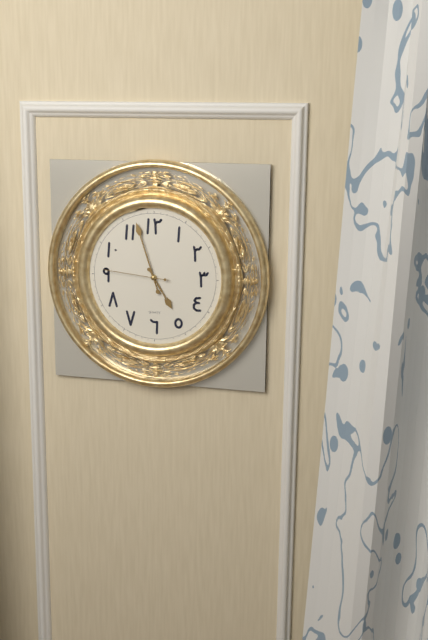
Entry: h=4 m=57 s=46
